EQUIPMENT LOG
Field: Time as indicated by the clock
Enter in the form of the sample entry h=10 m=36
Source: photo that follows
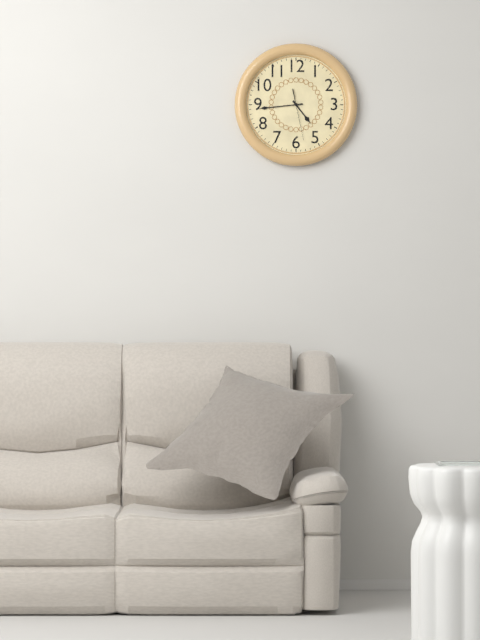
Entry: h=4 m=44
